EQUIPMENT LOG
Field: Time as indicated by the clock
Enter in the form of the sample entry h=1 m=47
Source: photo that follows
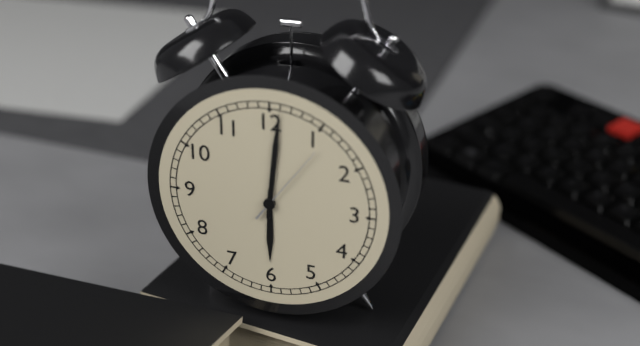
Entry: h=6 m=1
